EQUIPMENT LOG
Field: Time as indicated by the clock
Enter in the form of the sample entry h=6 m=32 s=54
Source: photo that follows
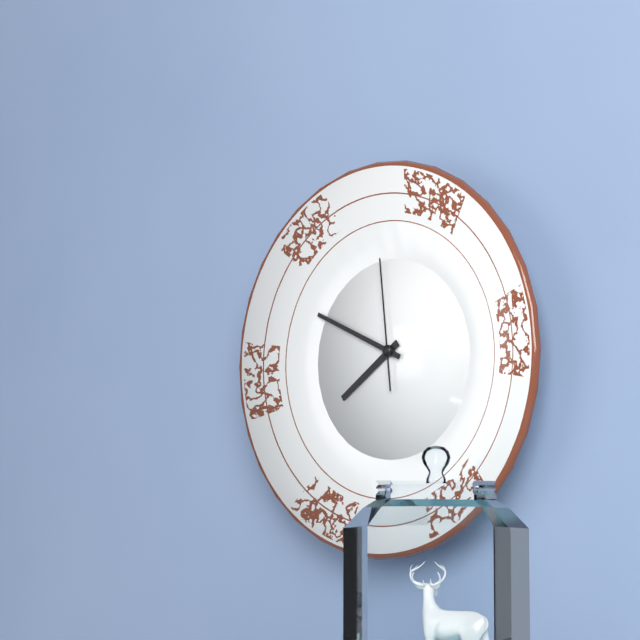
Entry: h=7 m=49 s=59
